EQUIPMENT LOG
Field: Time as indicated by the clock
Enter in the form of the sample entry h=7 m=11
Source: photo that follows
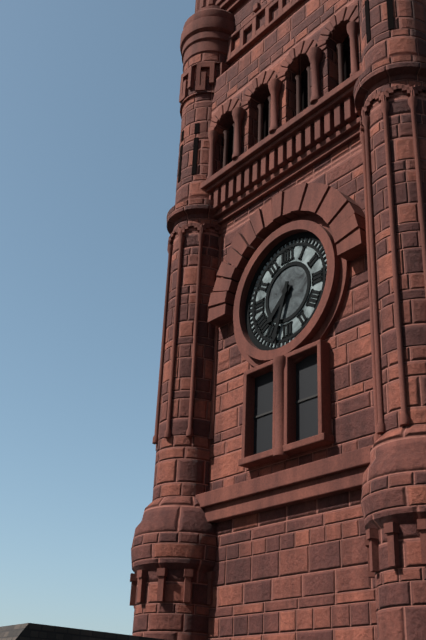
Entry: h=7 m=33
